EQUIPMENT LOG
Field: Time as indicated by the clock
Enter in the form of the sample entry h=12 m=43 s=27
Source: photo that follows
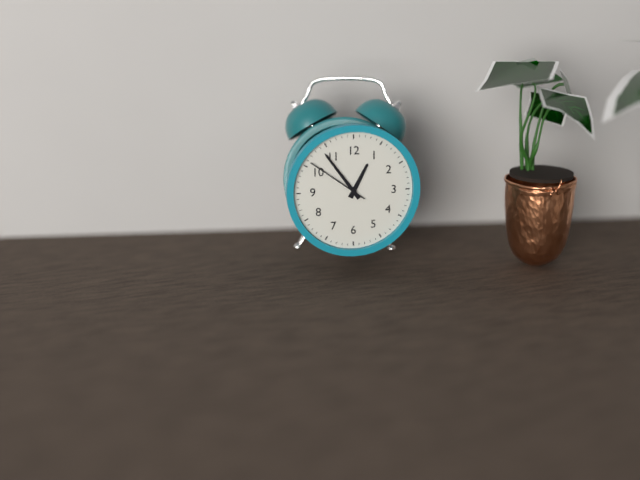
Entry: h=12 m=54 s=51
